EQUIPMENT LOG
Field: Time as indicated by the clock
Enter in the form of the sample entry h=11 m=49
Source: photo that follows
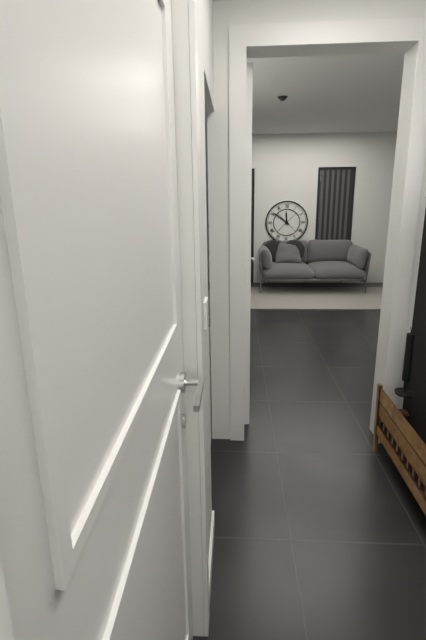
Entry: h=11 m=51
